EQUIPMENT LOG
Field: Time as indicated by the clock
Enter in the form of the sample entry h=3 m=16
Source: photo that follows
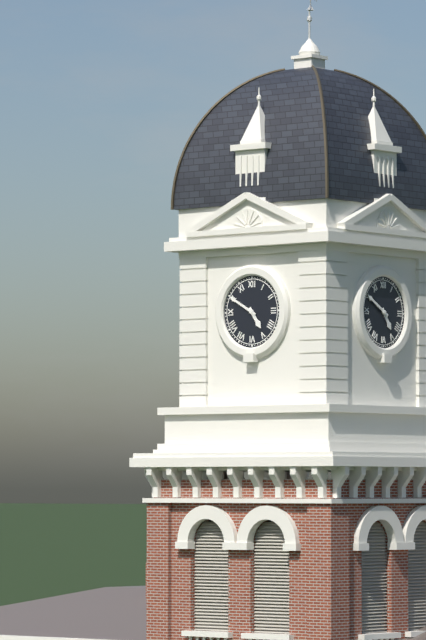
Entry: h=4 m=50
